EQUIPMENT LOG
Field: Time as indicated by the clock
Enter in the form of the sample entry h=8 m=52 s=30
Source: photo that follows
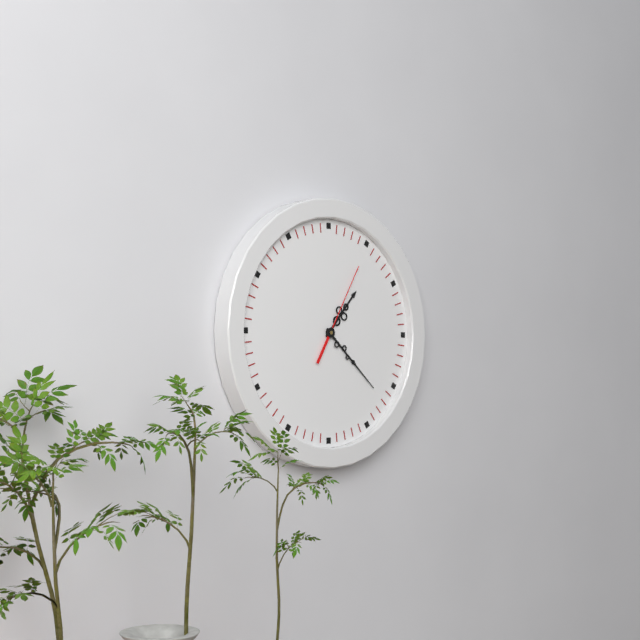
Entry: h=1 m=22 s=5
